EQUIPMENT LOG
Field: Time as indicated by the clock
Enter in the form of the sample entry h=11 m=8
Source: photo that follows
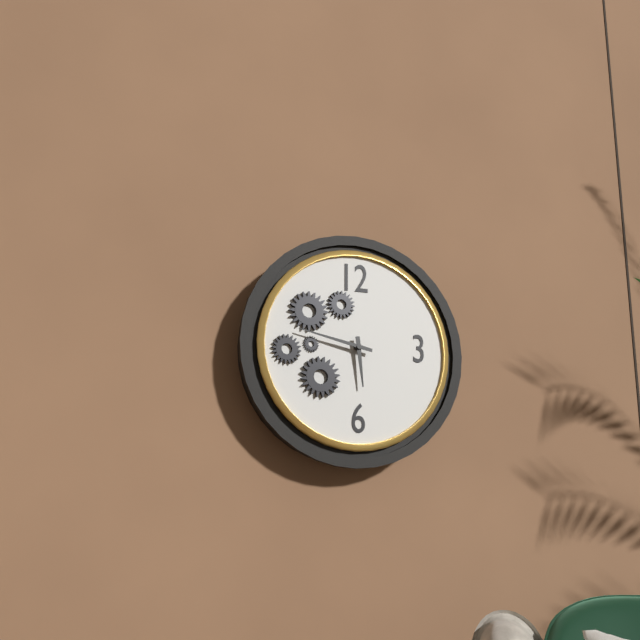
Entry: h=5 m=47
